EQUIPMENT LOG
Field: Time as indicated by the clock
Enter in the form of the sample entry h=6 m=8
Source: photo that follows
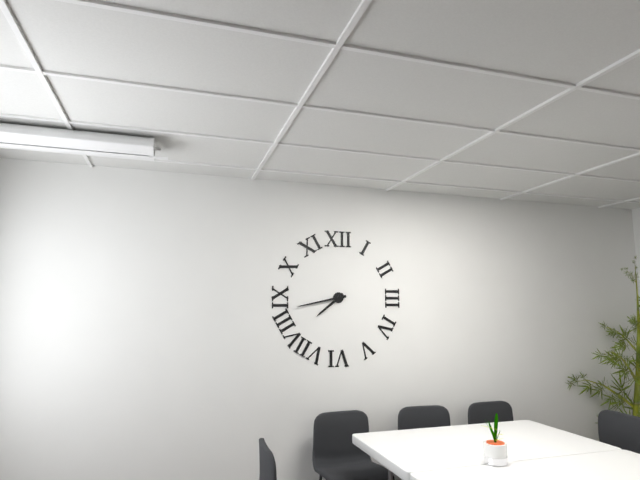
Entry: h=7 m=43
